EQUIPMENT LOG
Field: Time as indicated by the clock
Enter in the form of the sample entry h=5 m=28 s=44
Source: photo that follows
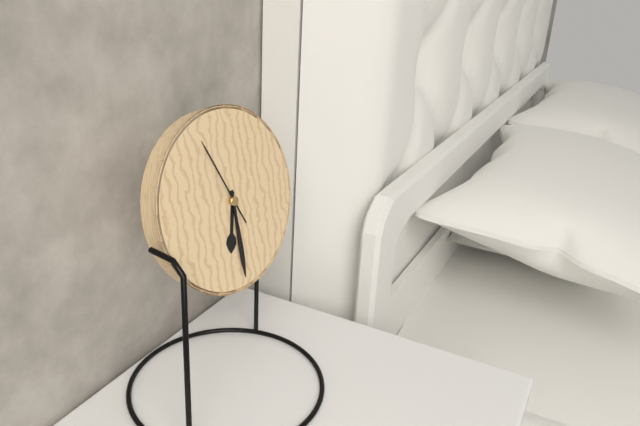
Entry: h=6 m=30 s=56
